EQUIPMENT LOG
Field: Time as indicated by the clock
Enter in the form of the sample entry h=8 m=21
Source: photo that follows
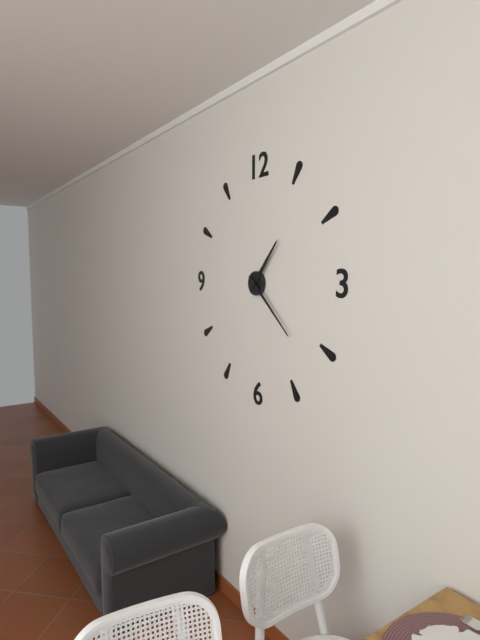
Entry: h=1 m=22
